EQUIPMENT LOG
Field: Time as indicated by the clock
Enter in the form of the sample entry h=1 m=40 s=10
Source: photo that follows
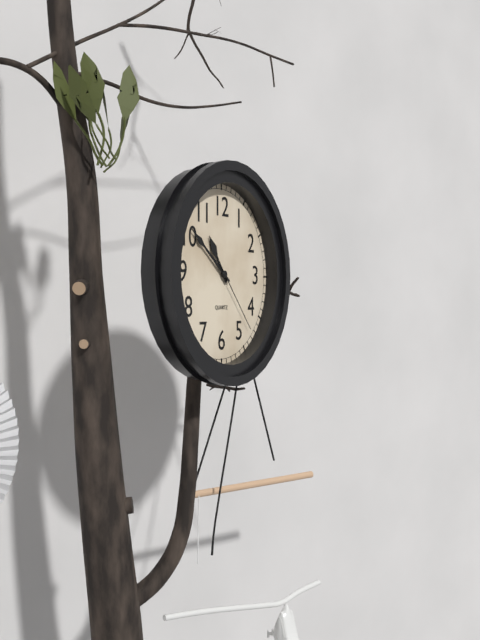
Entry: h=10 m=51 s=23
